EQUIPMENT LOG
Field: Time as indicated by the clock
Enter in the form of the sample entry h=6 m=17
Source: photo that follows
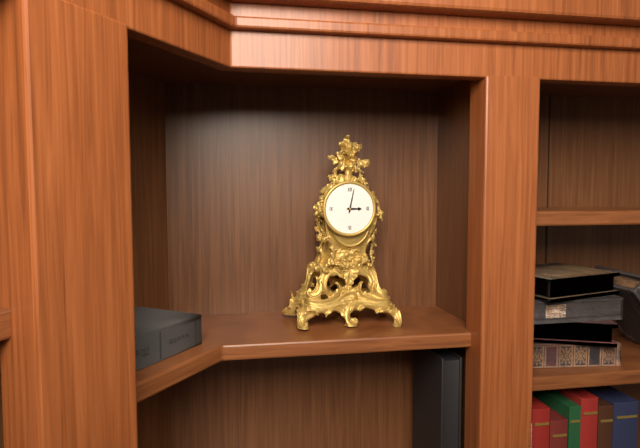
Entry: h=3 m=2
